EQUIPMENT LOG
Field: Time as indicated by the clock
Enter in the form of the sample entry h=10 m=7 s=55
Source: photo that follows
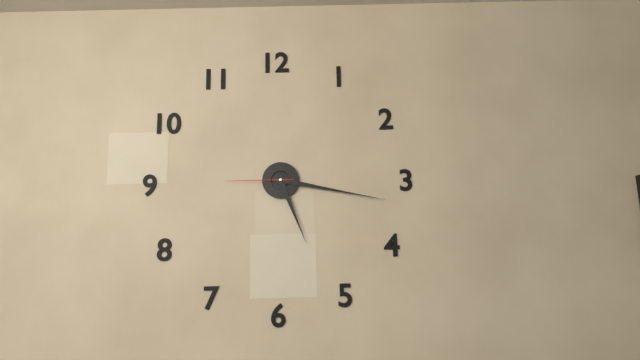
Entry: h=5 m=17 s=45
